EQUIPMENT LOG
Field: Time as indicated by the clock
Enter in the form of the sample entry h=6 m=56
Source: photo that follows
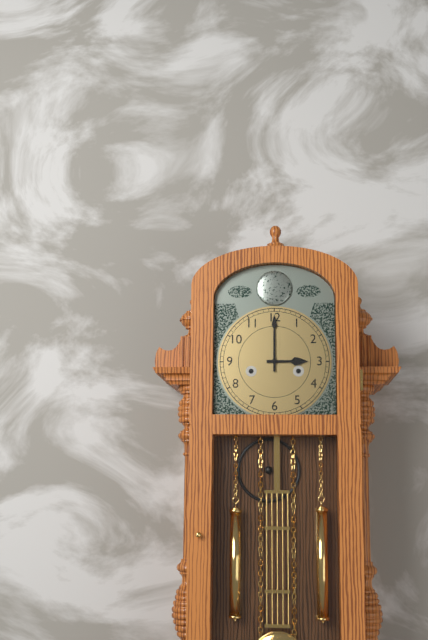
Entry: h=3 m=0
